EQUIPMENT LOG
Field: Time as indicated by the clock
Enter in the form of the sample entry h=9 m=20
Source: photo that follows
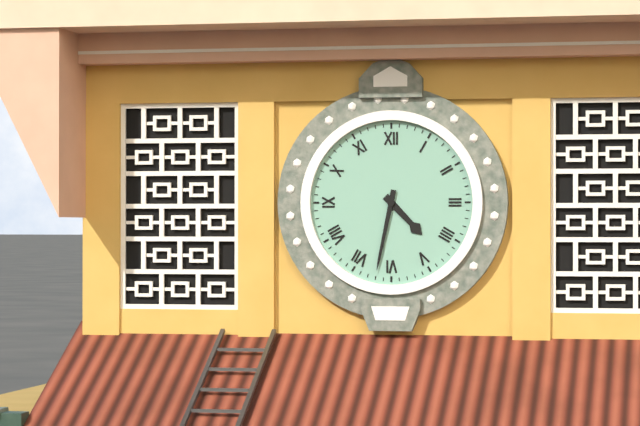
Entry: h=4 m=32
